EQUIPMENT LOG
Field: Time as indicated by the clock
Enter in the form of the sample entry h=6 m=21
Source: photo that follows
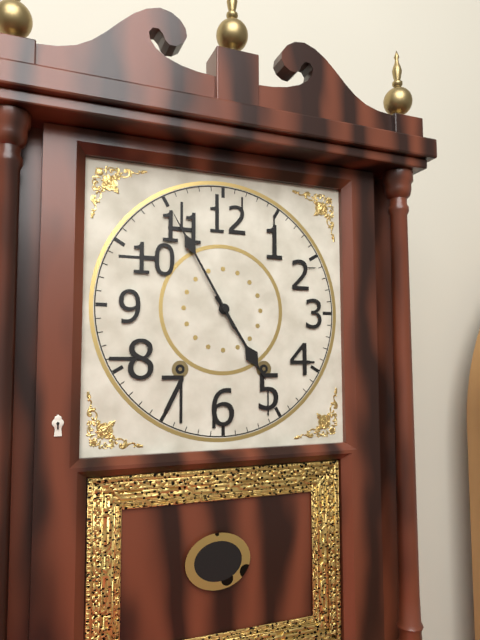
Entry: h=4 m=55
